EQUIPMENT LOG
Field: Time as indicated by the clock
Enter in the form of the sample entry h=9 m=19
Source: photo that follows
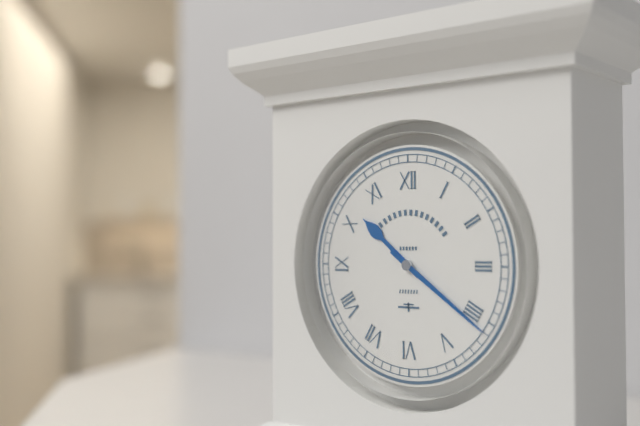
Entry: h=10 m=21
